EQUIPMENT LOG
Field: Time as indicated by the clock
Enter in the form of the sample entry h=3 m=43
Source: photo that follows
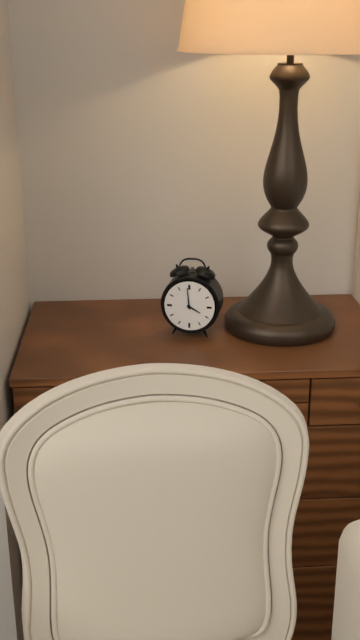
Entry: h=3 m=59
